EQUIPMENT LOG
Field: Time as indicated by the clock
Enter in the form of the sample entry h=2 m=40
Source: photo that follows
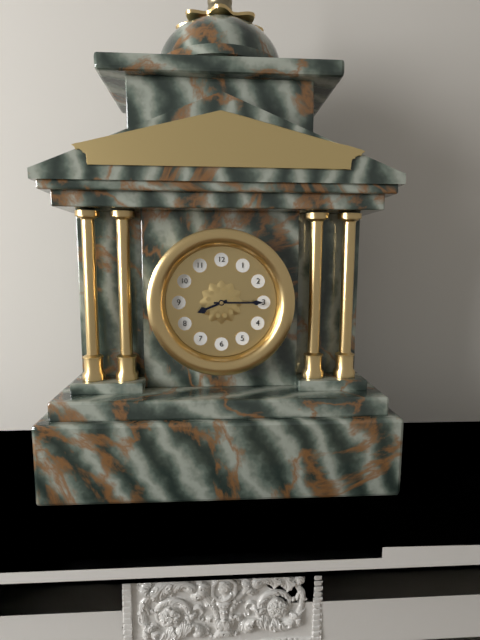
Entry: h=8 m=15
